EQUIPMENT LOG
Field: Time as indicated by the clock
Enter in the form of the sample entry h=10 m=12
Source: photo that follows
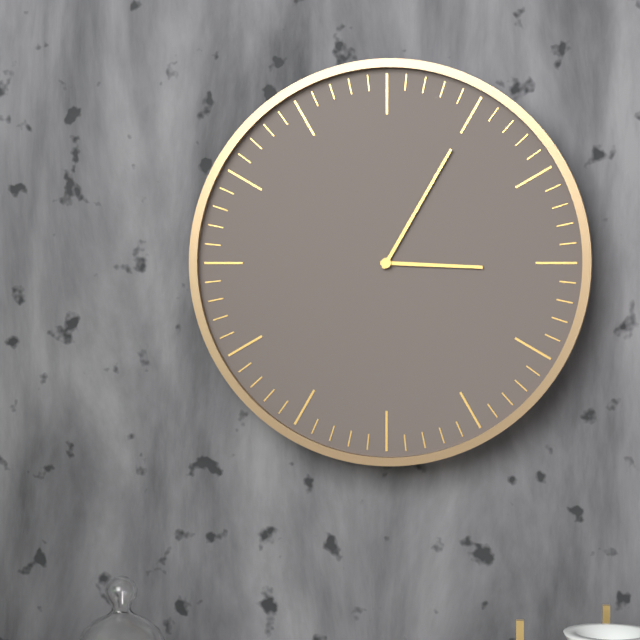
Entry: h=3 m=5
